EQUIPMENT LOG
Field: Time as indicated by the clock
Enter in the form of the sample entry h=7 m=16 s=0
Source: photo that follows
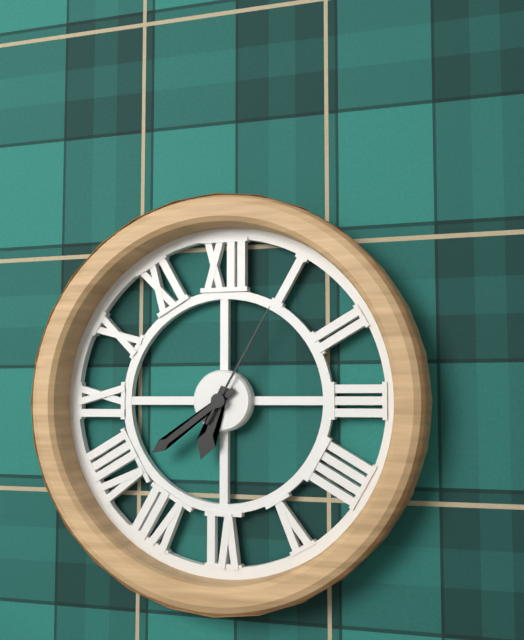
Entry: h=6 m=39 s=5
